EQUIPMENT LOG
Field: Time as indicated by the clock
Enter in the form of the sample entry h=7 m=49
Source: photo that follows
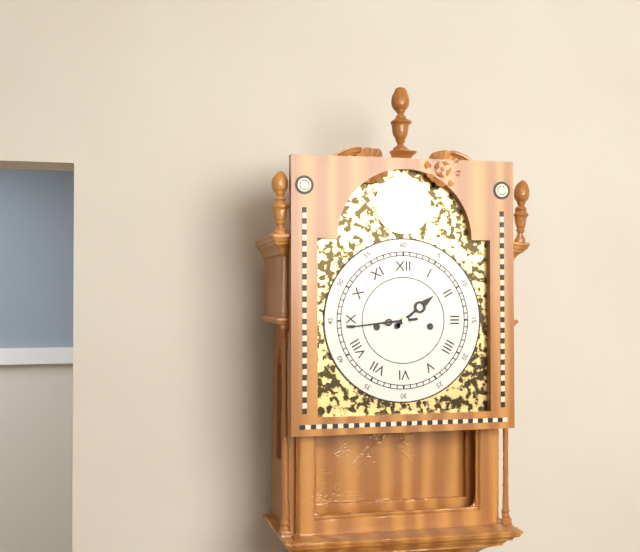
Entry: h=1 m=44
